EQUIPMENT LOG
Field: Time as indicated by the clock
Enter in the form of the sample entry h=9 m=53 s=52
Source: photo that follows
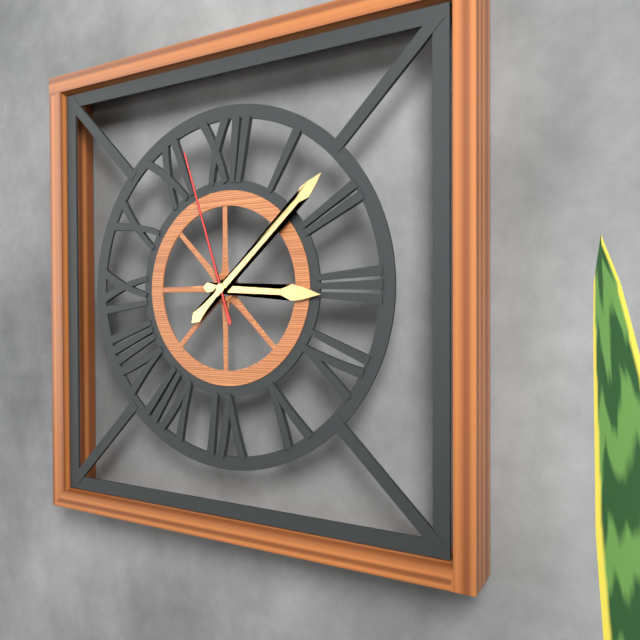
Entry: h=3 m=8 s=57
